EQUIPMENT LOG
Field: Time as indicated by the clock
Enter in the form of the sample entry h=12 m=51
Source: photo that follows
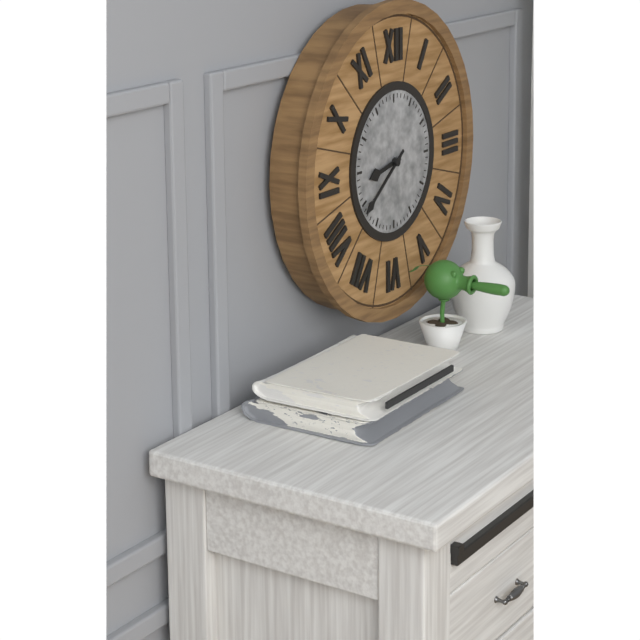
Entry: h=8 m=39
